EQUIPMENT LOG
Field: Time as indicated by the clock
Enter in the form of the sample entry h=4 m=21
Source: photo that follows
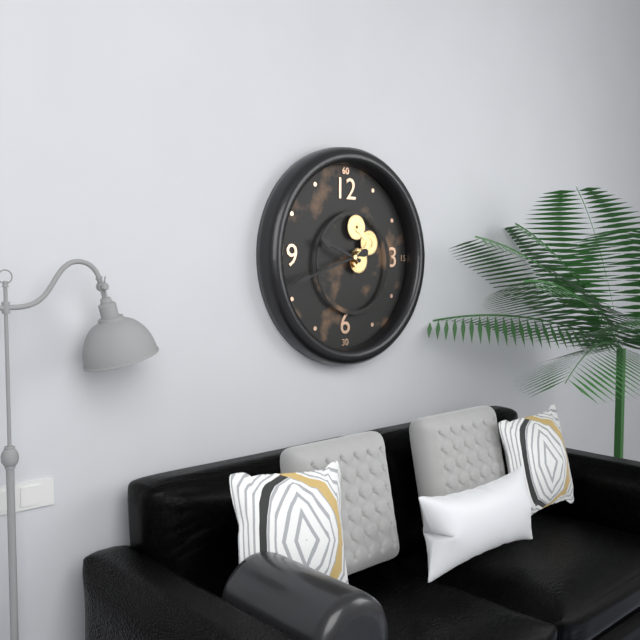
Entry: h=9 m=42
